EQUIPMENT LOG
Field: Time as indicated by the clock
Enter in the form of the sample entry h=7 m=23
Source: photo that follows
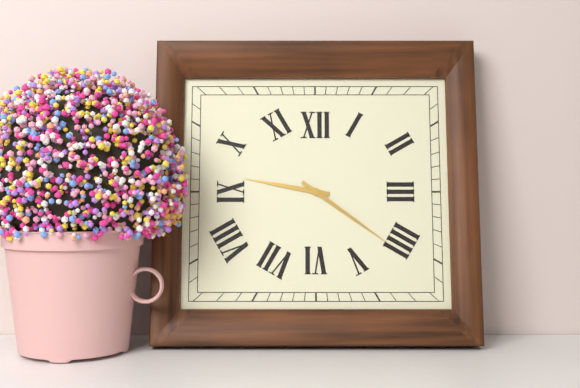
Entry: h=9 m=21
